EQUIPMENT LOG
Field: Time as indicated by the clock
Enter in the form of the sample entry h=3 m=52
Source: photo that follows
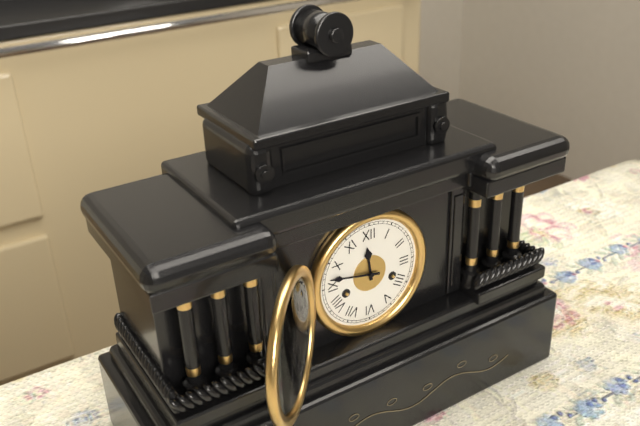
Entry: h=11 m=47
